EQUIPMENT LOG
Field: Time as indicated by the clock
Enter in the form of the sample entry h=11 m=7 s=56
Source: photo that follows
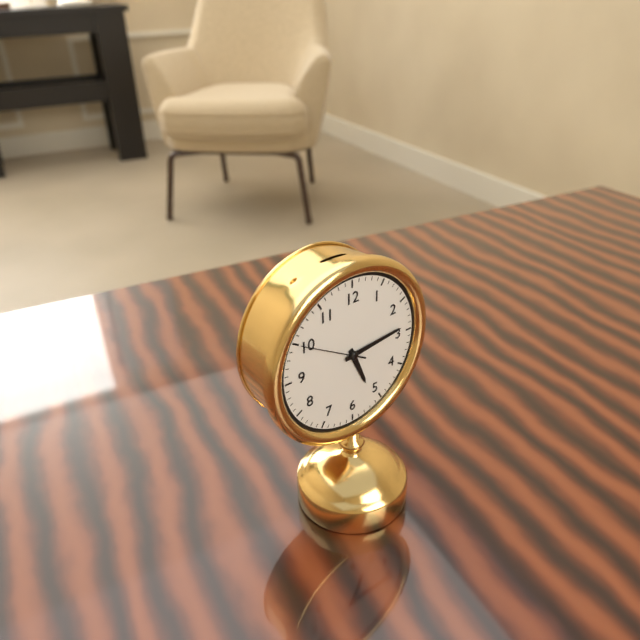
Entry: h=5 m=14 s=50
